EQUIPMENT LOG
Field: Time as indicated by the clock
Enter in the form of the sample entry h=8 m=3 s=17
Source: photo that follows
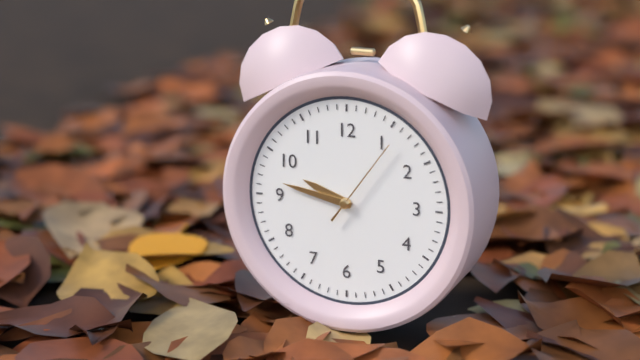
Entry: h=9 m=47 s=6
